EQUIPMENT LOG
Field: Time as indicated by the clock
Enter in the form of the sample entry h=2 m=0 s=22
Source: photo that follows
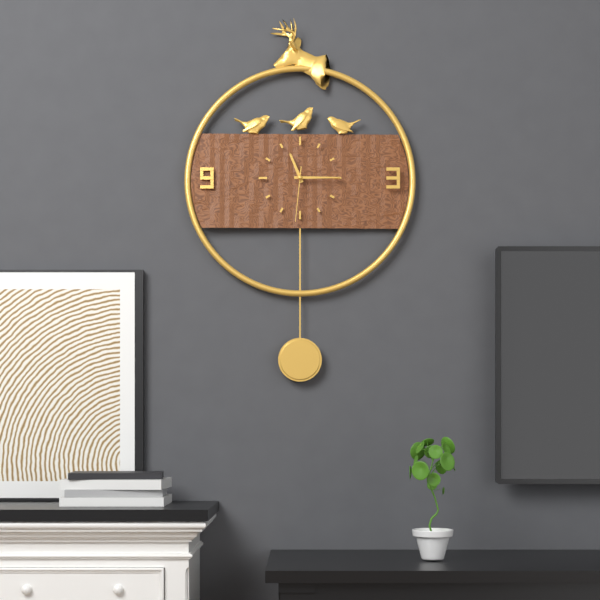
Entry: h=11 m=15 s=31
